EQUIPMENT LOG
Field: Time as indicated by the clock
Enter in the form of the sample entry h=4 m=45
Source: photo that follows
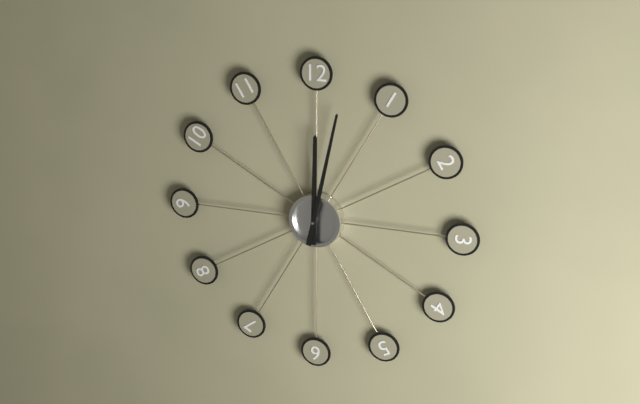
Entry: h=12 m=2
